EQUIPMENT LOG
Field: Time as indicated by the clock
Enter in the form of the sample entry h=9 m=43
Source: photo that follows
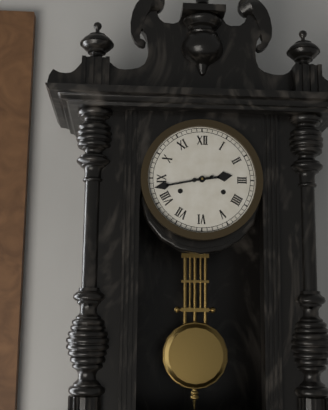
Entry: h=2 m=43
